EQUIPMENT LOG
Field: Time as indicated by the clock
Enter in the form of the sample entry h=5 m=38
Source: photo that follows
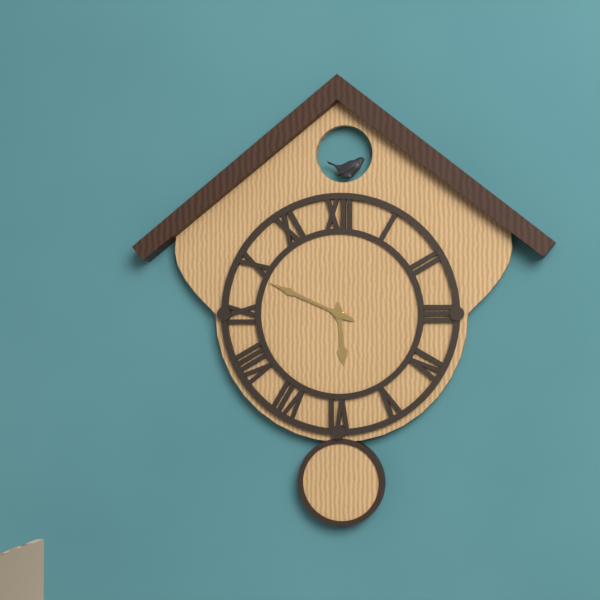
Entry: h=5 m=49
